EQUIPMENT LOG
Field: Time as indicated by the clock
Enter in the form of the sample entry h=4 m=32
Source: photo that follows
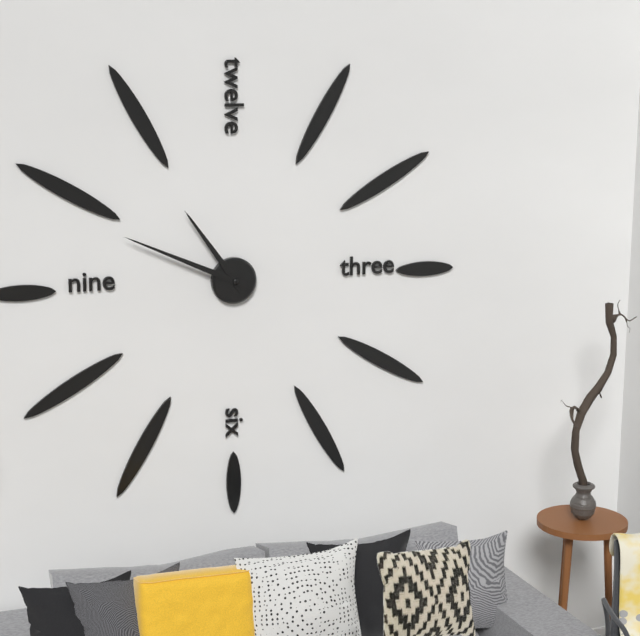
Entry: h=10 m=49
